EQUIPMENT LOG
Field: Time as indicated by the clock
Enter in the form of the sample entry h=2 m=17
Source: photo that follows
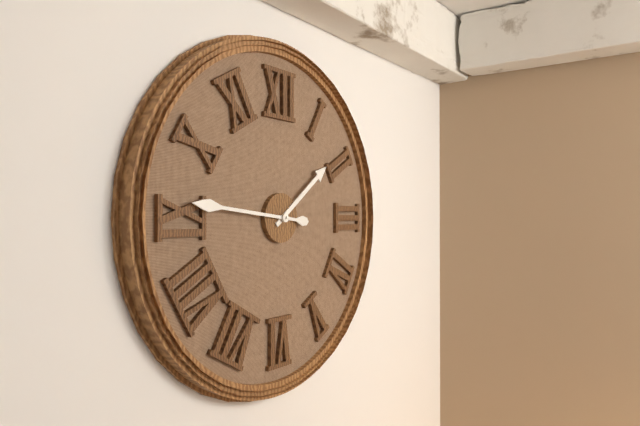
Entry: h=1 m=46
